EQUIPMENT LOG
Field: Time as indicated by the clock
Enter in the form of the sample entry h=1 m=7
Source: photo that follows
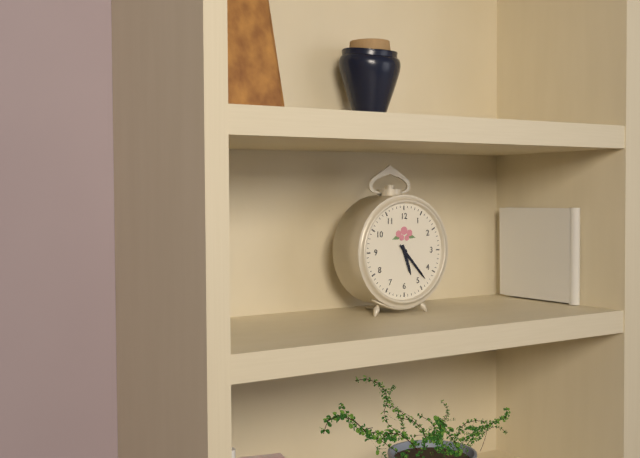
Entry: h=5 m=23
